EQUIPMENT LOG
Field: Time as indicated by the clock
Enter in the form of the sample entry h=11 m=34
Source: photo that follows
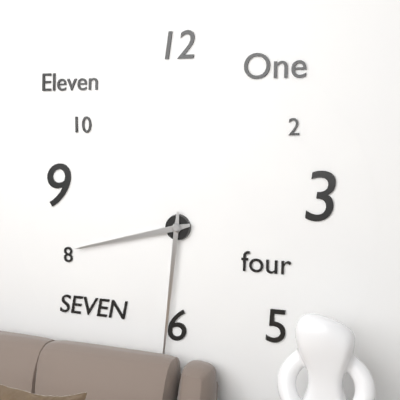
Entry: h=8 m=31
